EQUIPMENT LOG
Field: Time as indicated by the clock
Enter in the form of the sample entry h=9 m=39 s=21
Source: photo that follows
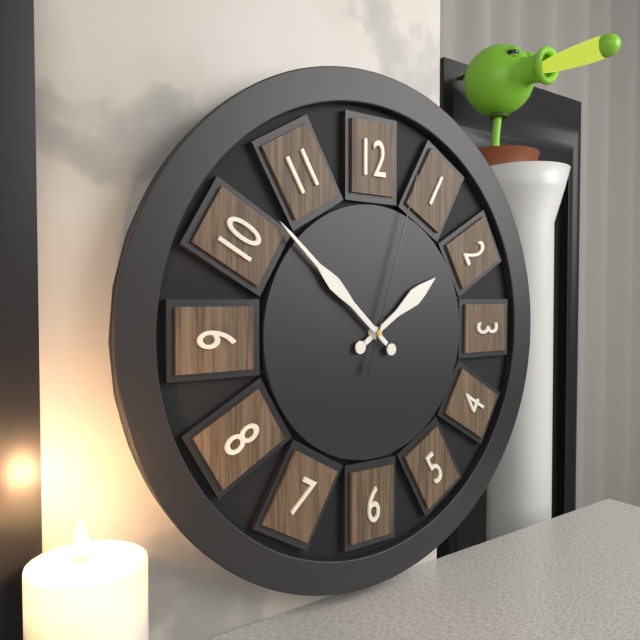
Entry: h=1 m=52 s=3
